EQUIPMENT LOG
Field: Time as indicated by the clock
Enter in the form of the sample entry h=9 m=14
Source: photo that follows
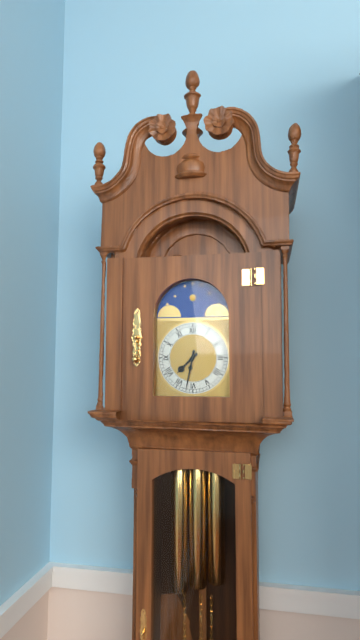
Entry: h=7 m=32
